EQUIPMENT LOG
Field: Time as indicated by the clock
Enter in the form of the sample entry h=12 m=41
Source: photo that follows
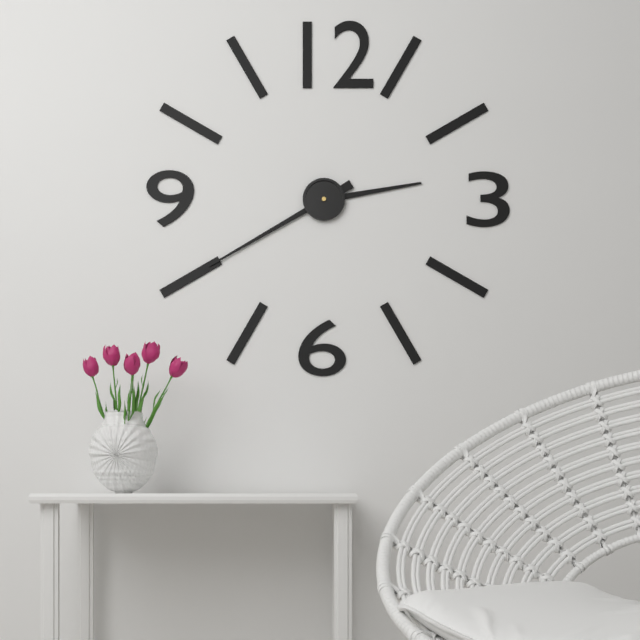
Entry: h=2 m=40
